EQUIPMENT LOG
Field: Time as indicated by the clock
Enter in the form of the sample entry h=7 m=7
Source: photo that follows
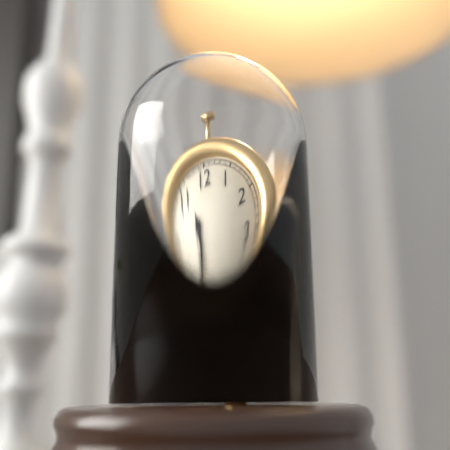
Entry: h=11 m=23
